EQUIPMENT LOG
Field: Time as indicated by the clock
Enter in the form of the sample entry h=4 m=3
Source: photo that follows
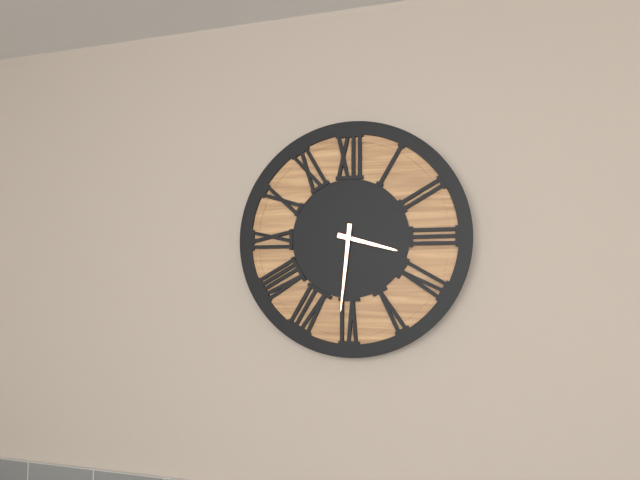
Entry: h=3 m=31
